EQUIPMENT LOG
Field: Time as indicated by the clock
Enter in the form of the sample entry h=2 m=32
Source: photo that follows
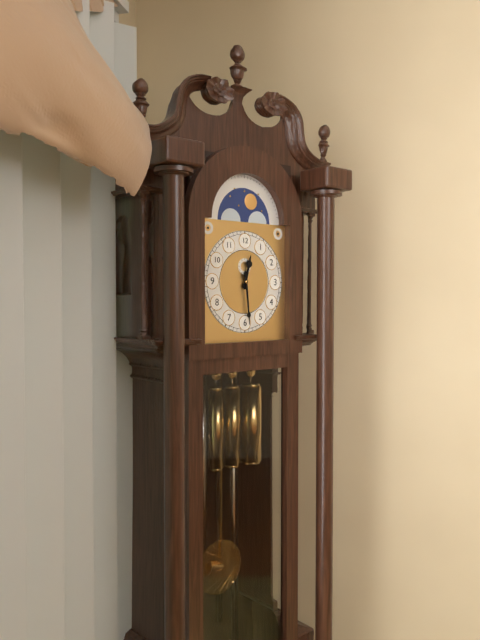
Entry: h=12 m=29
